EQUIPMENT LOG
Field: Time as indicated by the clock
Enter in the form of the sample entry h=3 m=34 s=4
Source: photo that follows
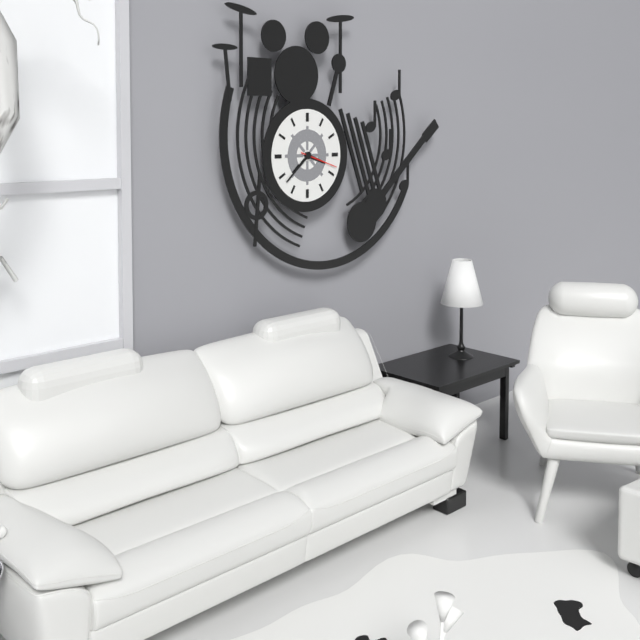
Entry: h=3 m=38 s=18
